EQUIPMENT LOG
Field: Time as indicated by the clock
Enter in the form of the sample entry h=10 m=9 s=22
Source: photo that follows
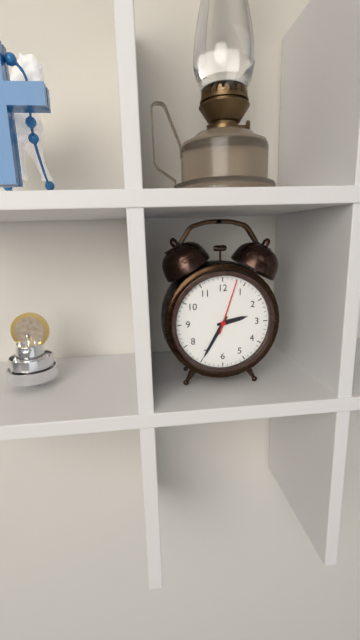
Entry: h=2 m=35 s=3
